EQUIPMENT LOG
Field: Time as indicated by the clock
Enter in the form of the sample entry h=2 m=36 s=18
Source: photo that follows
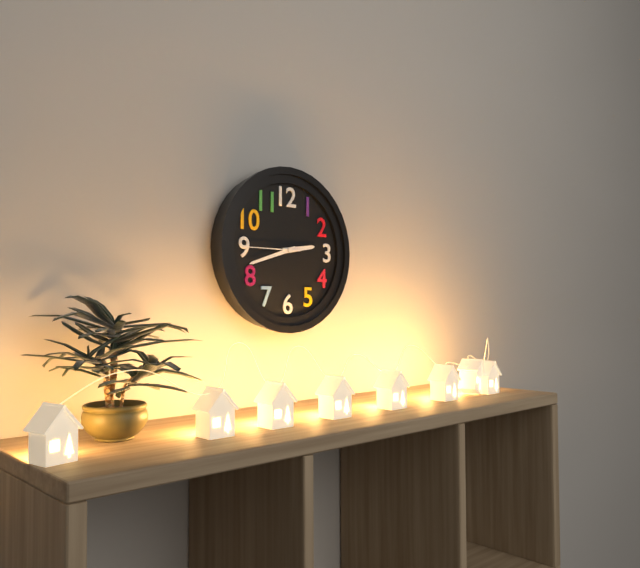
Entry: h=2 m=42 s=45
